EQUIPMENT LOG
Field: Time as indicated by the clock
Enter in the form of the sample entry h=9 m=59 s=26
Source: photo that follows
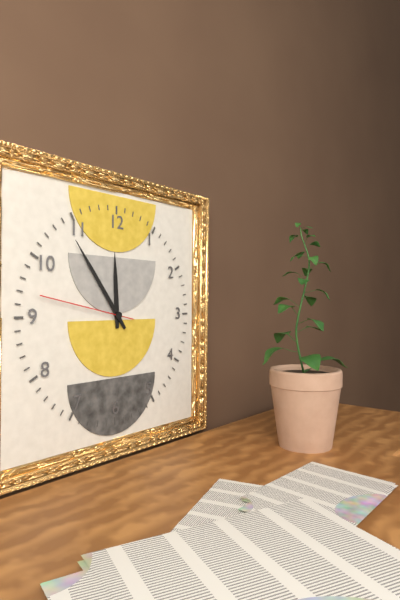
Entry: h=11 m=54 s=47
